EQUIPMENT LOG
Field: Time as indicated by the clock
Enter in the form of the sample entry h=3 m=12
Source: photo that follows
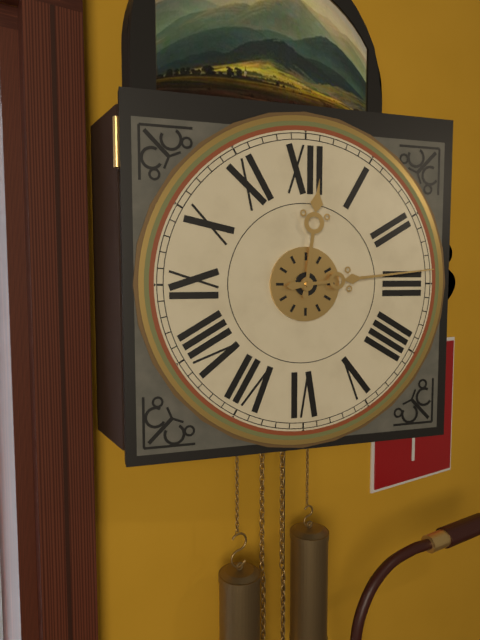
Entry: h=12 m=14
